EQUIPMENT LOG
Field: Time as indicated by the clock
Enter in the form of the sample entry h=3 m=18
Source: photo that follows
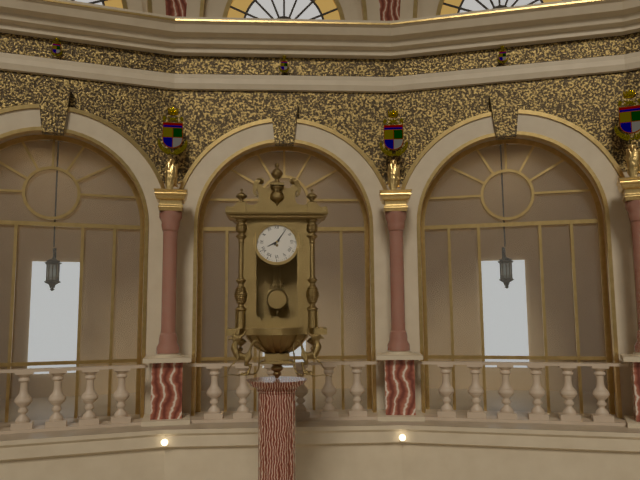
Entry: h=8 m=6
